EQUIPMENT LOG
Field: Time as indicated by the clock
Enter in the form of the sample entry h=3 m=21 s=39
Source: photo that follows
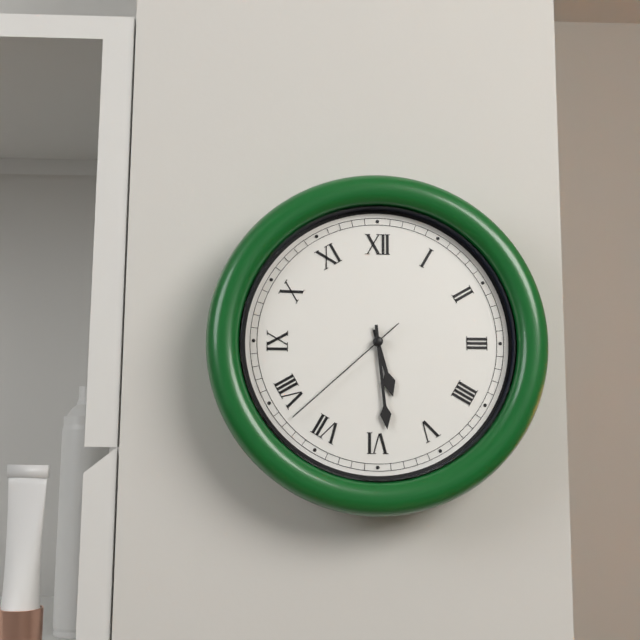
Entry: h=5 m=29 s=38
